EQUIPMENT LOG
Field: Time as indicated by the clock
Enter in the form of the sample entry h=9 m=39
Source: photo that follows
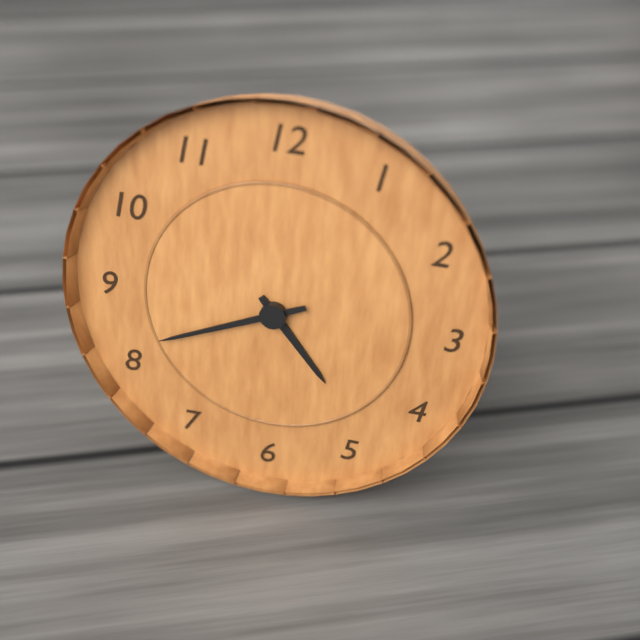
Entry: h=4 m=41
